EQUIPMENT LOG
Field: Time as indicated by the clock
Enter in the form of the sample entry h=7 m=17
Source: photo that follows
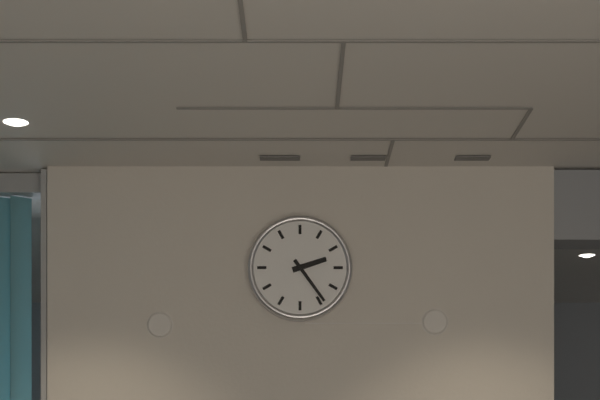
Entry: h=2 m=24
